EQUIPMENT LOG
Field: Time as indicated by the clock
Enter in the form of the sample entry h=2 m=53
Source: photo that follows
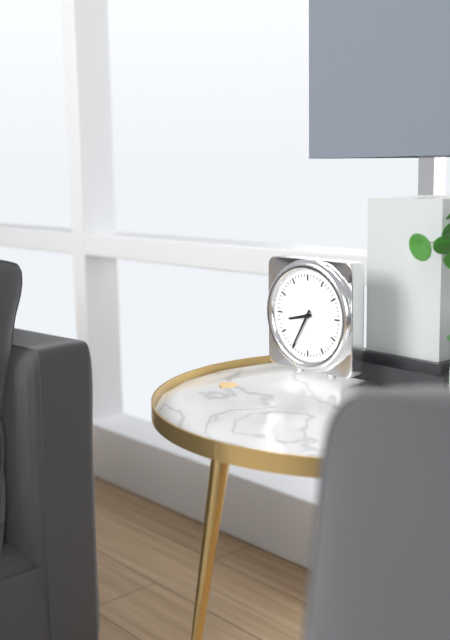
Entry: h=8 m=35
